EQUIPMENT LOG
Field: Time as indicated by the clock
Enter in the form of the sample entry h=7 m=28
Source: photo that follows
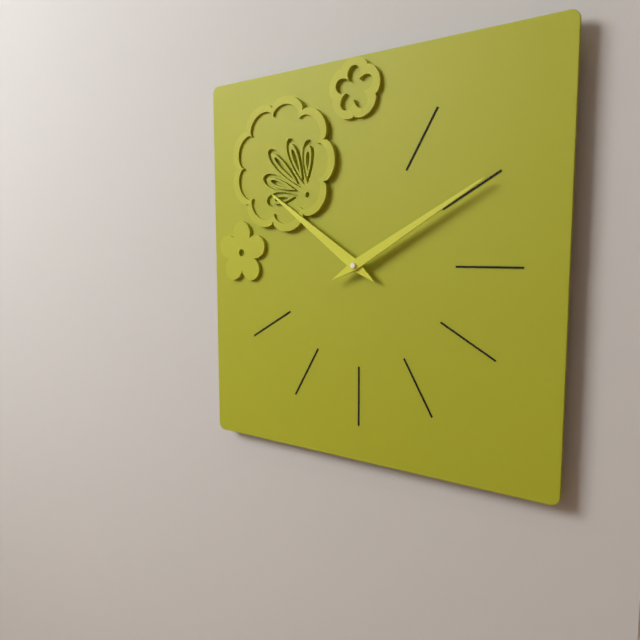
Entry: h=10 m=10
